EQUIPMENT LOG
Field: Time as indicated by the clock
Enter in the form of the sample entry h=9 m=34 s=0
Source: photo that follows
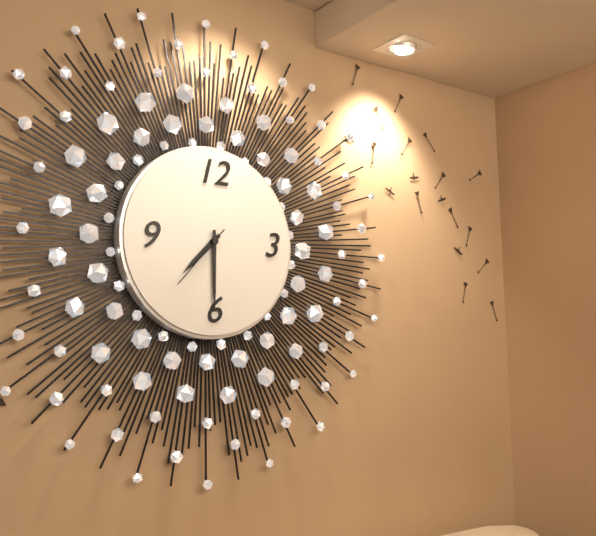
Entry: h=7 m=30 s=37
